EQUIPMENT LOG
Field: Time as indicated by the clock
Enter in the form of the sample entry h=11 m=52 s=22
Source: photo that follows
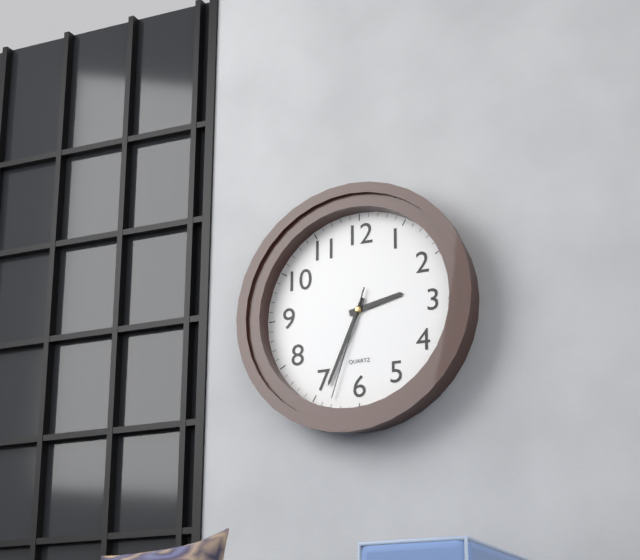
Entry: h=2 m=34 s=33
